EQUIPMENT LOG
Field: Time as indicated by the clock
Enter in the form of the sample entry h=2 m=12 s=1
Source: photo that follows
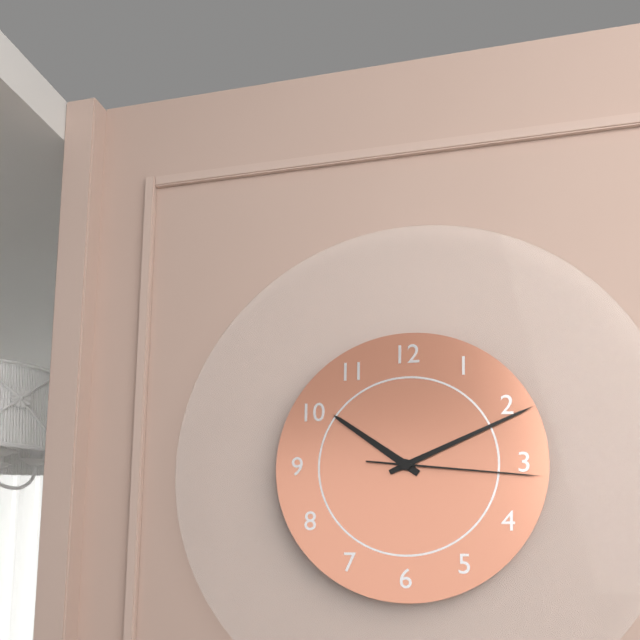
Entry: h=10 m=11 s=16
